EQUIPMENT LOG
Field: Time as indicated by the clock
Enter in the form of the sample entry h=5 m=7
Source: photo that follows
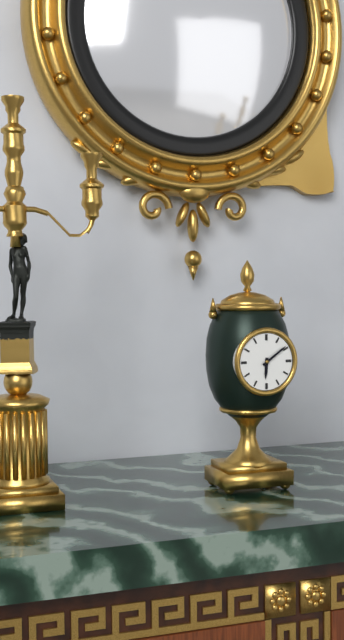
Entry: h=6 m=9
